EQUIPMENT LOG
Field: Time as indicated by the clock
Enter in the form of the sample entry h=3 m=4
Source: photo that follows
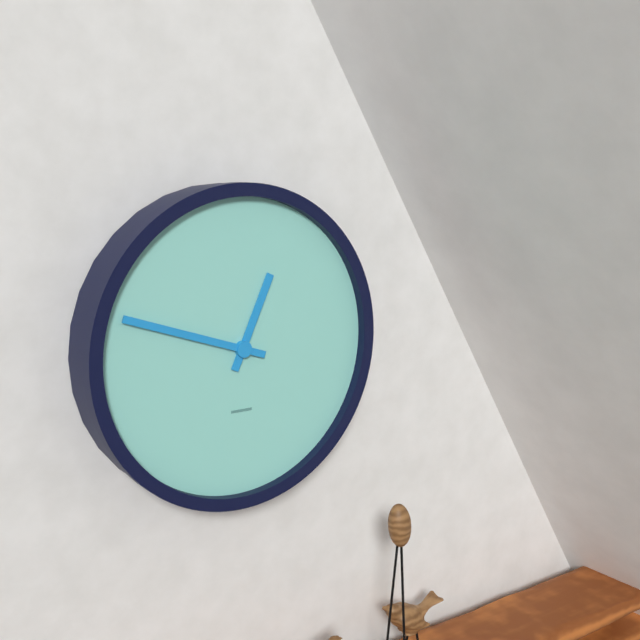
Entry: h=12 m=48
